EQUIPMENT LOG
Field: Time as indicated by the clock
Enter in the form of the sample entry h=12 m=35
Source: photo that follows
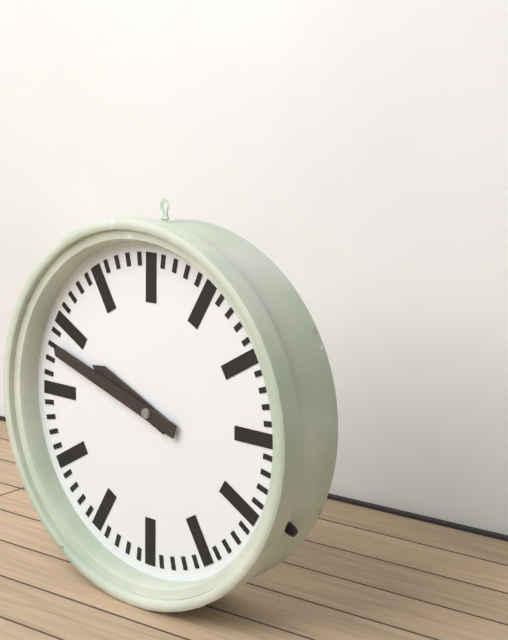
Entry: h=9 m=48
